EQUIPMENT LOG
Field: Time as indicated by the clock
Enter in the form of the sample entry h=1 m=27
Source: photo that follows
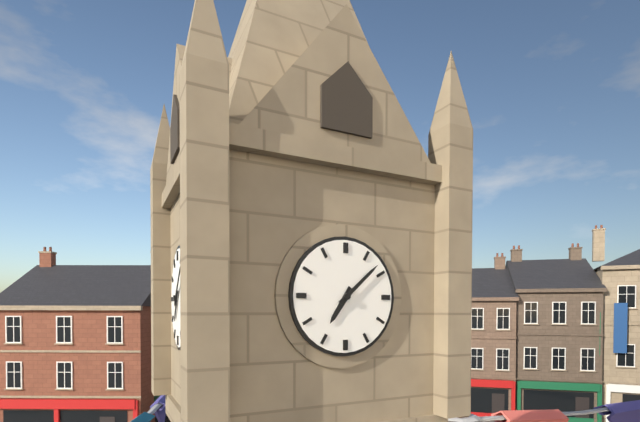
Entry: h=7 m=8
